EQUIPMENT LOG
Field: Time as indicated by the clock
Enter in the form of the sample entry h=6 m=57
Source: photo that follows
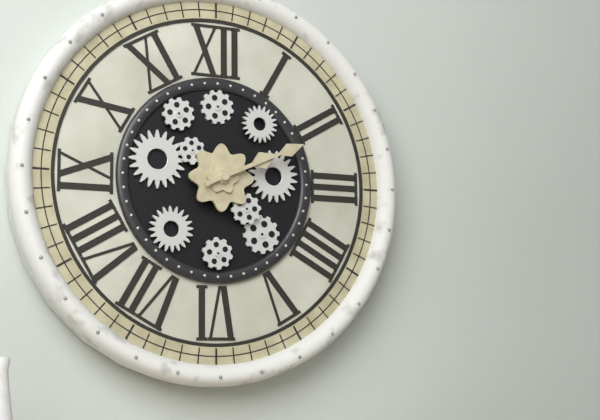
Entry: h=2 m=11
